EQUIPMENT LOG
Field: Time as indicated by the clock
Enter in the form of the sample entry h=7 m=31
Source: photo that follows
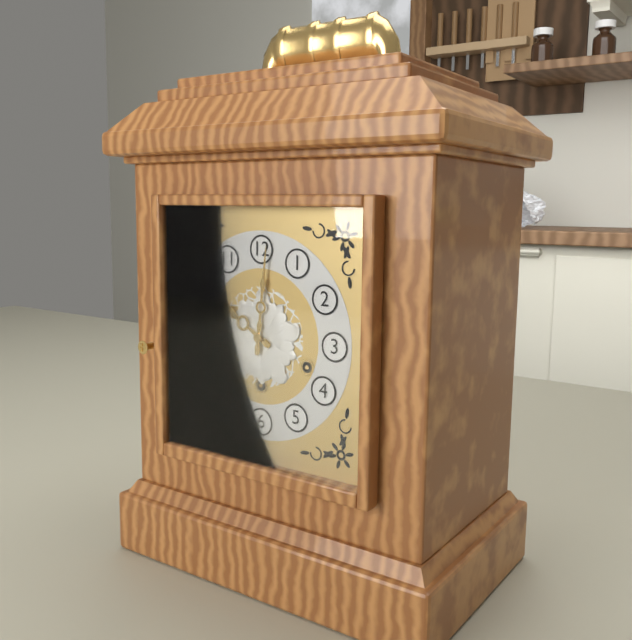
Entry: h=10 m=1
